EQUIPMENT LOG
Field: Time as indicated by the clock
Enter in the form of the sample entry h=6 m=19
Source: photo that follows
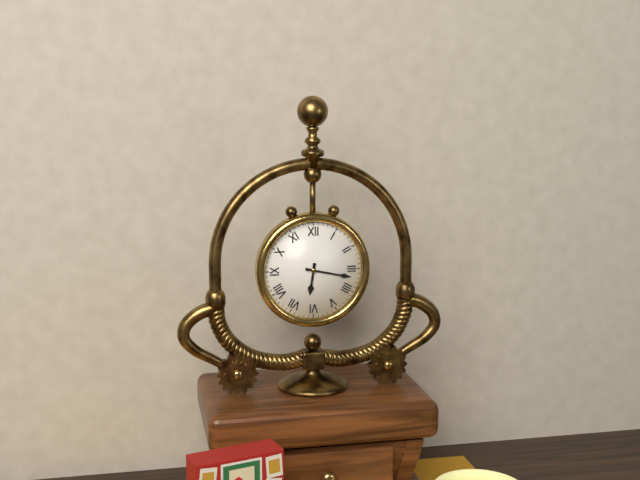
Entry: h=6 m=17
